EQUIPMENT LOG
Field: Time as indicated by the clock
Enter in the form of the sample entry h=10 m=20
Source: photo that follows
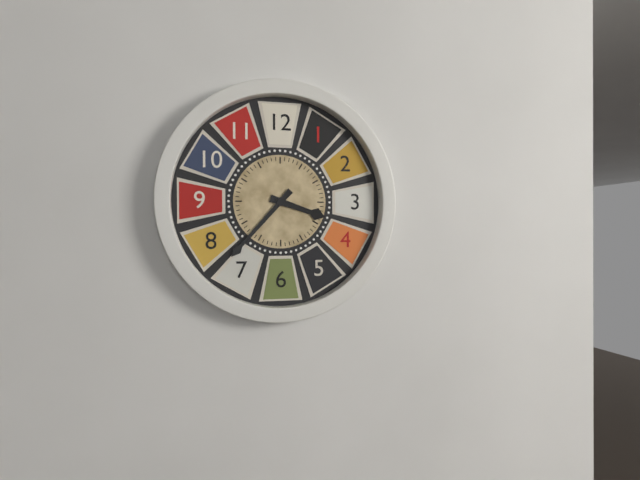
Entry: h=3 m=37
